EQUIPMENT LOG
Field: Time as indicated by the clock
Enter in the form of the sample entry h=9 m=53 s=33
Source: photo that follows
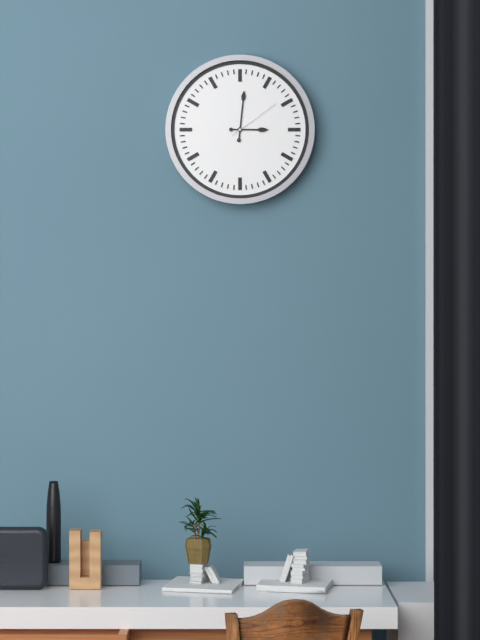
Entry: h=3 m=1 s=9
